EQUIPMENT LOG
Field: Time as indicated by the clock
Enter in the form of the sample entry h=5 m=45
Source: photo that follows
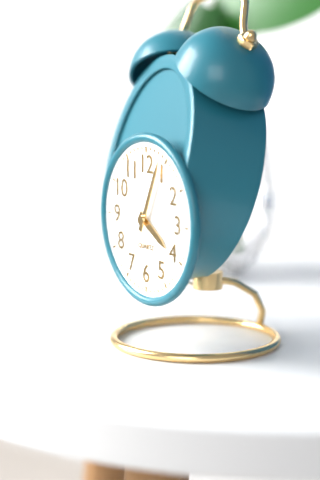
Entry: h=4 m=4
